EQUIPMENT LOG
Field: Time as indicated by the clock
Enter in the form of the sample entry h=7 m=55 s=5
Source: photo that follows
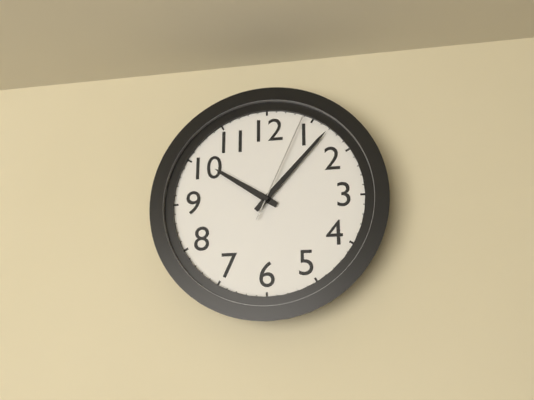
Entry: h=10 m=7 s=4
